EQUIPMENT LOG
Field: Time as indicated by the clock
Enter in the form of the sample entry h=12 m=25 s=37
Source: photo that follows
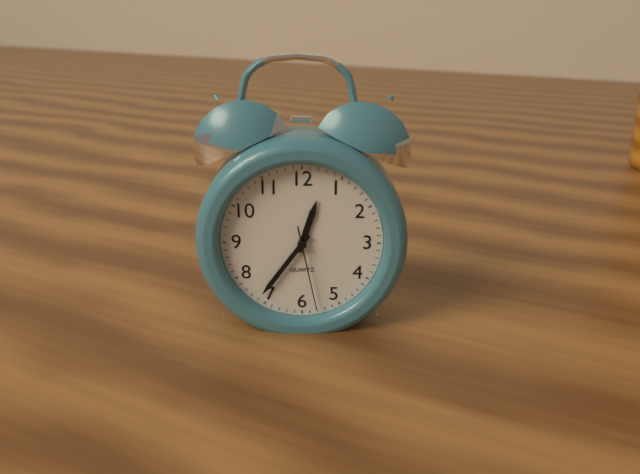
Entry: h=12 m=36 s=28
